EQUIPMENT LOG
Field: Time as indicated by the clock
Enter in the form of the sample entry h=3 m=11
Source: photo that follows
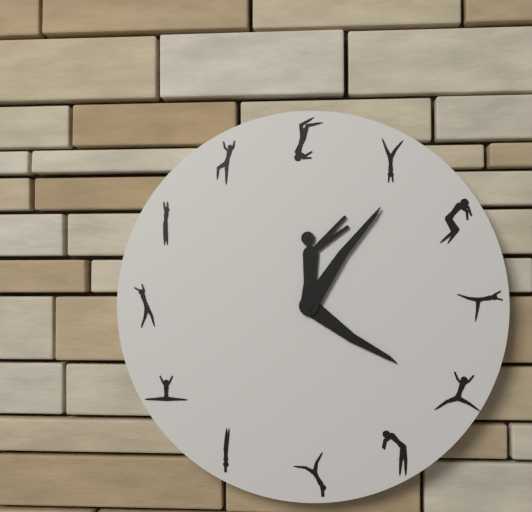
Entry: h=4 m=6
